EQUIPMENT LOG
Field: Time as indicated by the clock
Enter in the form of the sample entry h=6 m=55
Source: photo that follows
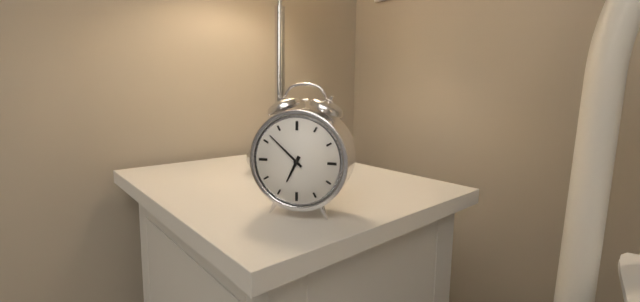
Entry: h=6 m=52
